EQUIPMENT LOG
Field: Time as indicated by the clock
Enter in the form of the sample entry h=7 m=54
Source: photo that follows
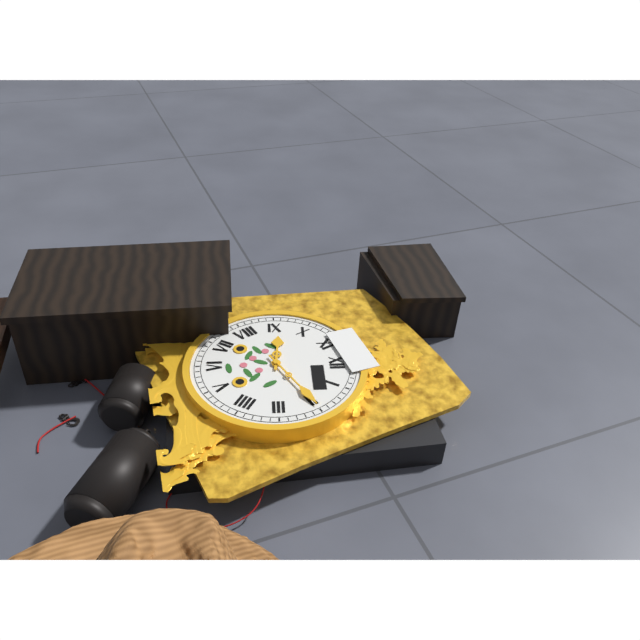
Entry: h=9 m=10
